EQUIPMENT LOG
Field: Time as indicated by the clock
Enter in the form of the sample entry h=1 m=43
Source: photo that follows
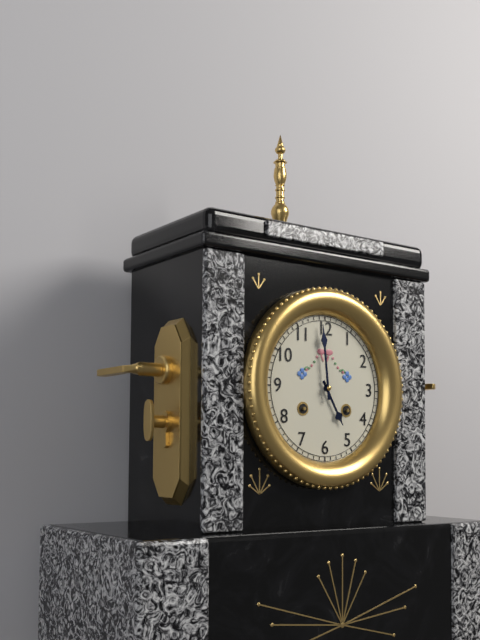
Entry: h=4 m=59
